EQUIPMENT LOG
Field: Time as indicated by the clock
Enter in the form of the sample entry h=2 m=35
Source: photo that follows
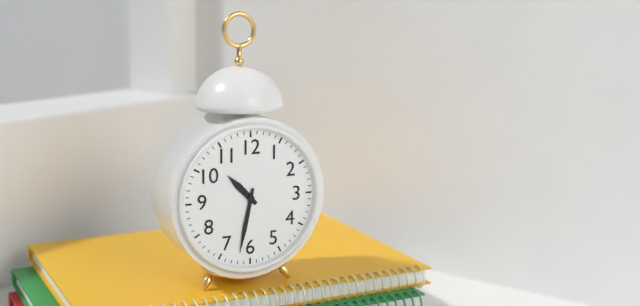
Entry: h=10 m=32
